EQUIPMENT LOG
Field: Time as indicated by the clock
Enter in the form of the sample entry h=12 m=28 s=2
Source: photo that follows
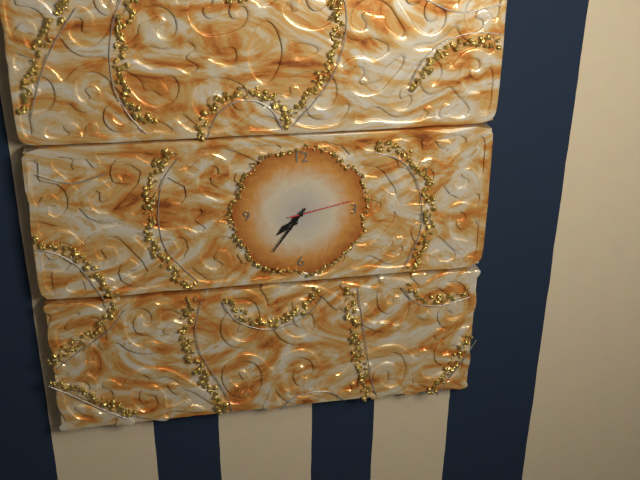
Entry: h=7 m=36 s=13
